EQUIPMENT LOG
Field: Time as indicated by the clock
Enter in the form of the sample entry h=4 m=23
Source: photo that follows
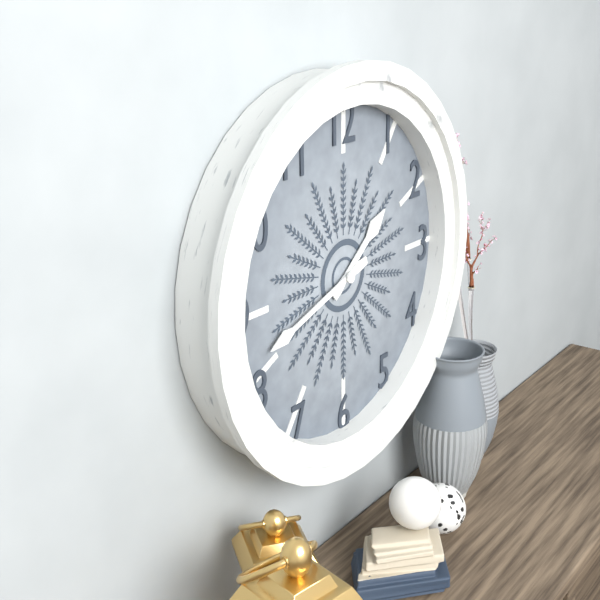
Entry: h=1 m=42
